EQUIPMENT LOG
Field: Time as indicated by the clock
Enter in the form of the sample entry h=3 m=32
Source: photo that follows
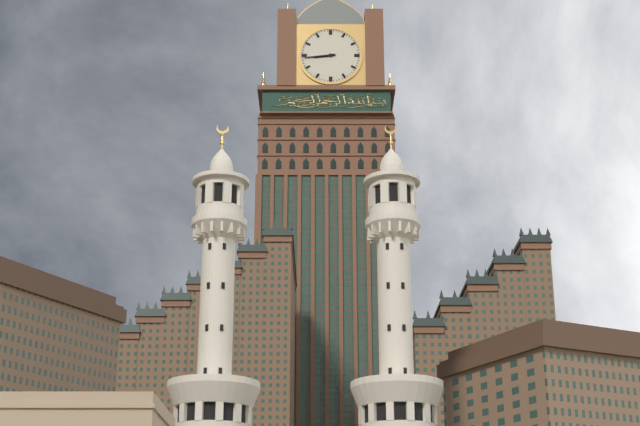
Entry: h=8 m=44
